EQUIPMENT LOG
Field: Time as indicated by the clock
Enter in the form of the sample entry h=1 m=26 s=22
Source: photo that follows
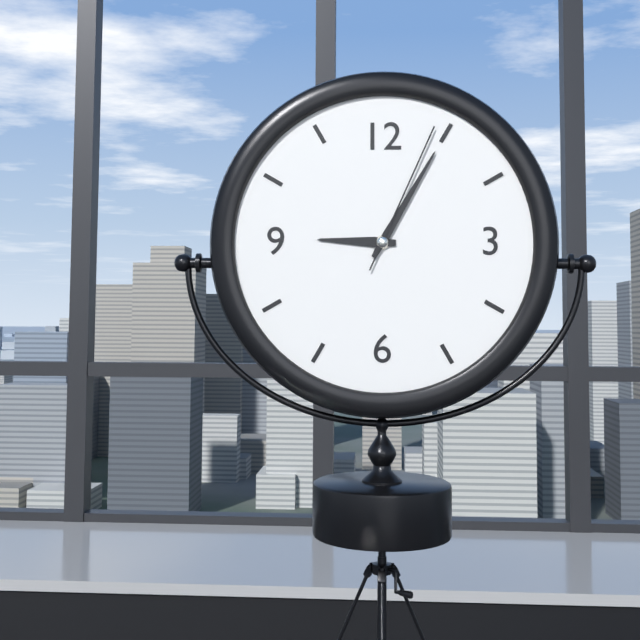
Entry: h=9 m=5 s=4
